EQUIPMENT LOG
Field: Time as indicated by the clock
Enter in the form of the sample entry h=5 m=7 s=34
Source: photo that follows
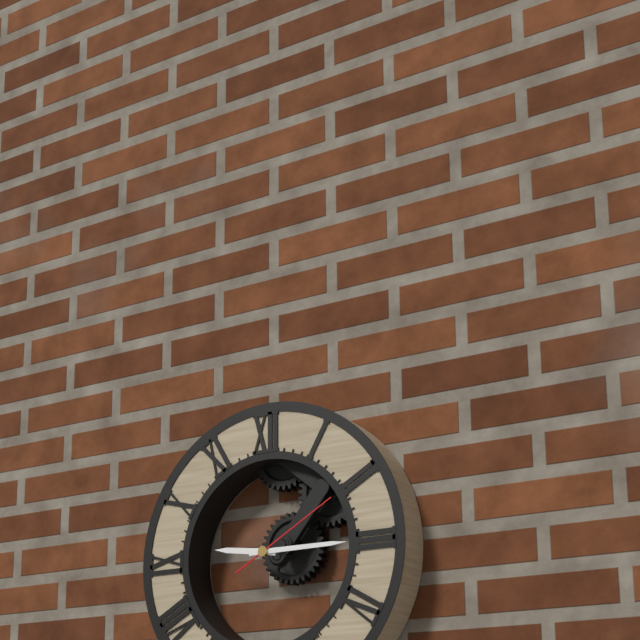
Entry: h=9 m=15 s=10
